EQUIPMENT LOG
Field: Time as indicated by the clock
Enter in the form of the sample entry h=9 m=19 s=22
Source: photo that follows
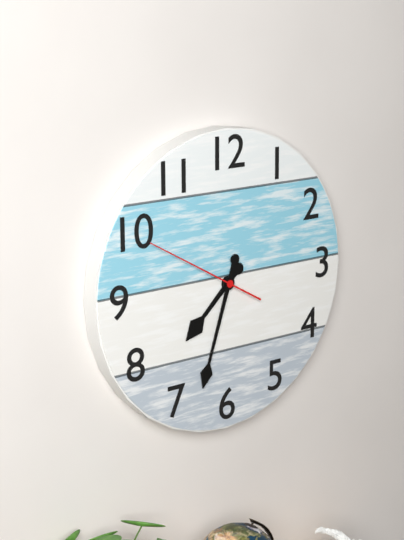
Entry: h=7 m=33 s=50
